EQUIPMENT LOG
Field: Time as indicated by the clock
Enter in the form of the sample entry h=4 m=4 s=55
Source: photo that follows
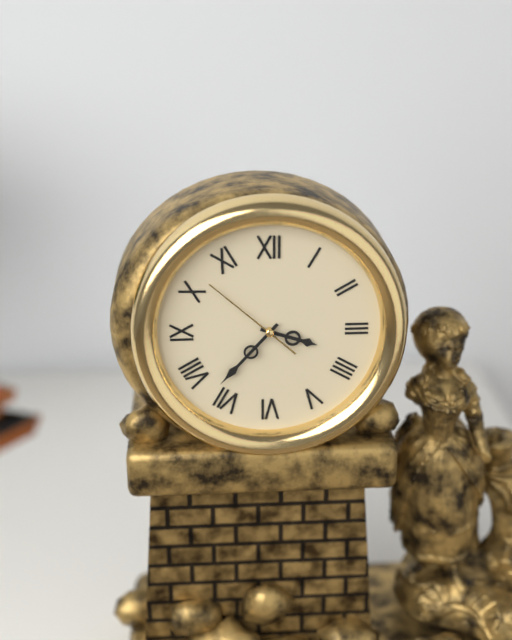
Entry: h=3 m=37 s=52
